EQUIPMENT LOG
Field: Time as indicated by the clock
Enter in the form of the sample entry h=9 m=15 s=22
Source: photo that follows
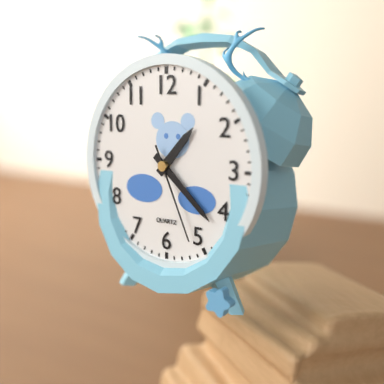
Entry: h=1 m=22 s=26
